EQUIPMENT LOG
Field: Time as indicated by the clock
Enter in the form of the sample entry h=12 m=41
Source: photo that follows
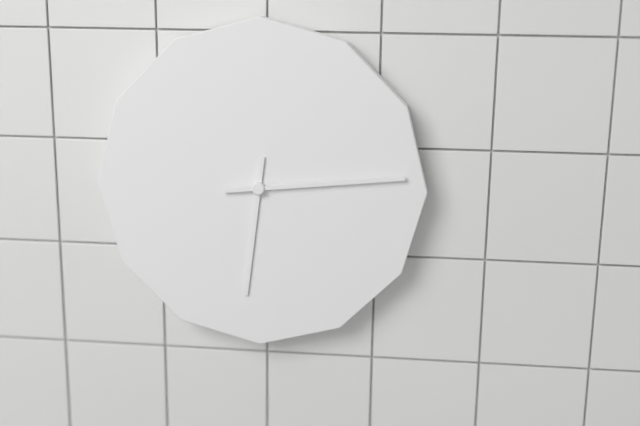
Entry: h=6 m=14
